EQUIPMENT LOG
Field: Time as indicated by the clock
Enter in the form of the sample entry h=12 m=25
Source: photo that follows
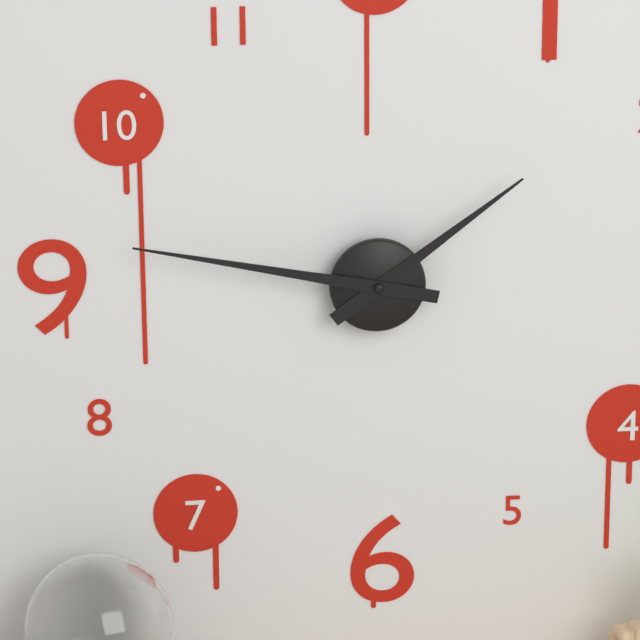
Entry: h=1 m=47
